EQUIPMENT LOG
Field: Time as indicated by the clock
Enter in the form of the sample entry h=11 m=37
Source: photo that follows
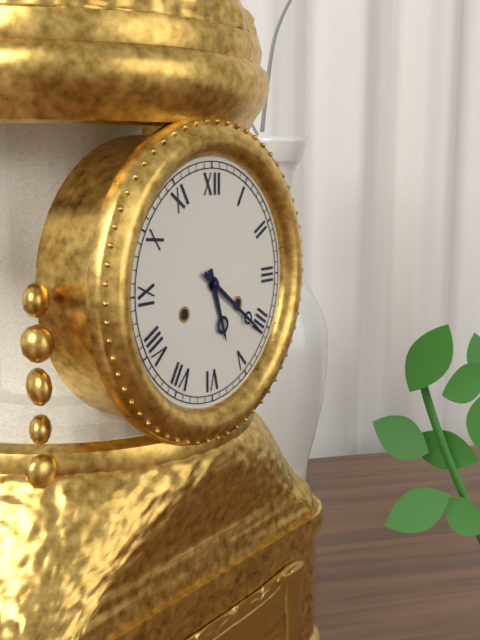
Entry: h=5 m=21
